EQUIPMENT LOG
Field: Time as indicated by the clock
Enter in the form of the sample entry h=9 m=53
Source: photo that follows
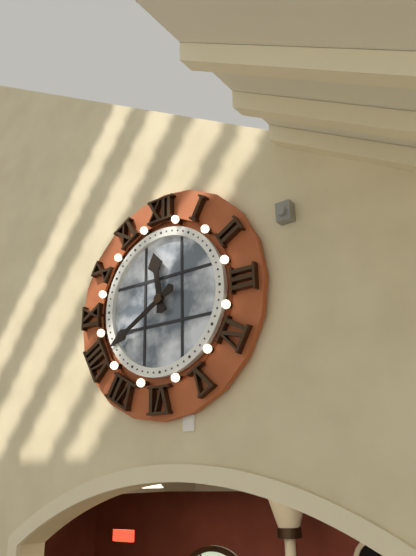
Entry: h=11 m=40
